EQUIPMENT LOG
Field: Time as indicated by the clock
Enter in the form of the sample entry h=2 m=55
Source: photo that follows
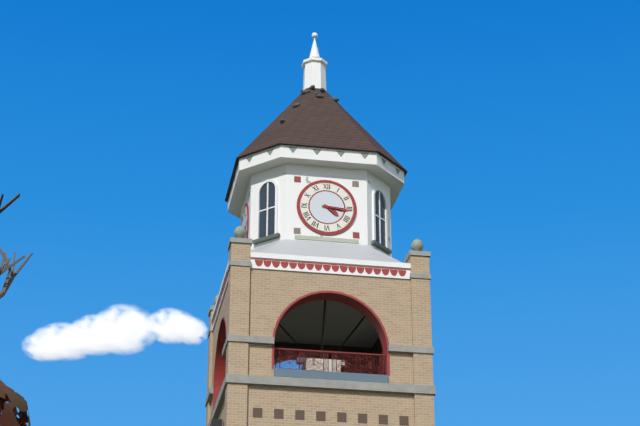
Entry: h=4 m=16
